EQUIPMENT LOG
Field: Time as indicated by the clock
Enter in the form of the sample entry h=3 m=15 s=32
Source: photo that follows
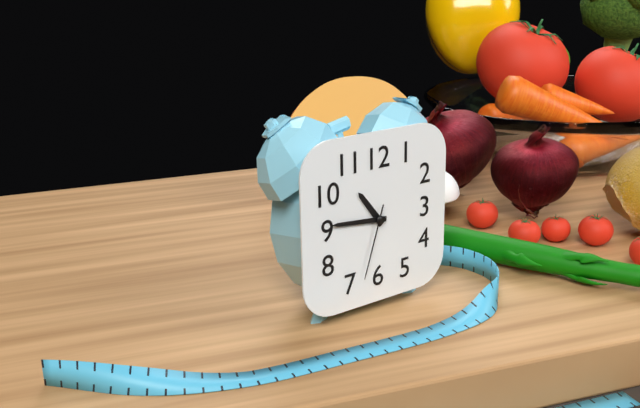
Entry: h=10 m=46 s=33
